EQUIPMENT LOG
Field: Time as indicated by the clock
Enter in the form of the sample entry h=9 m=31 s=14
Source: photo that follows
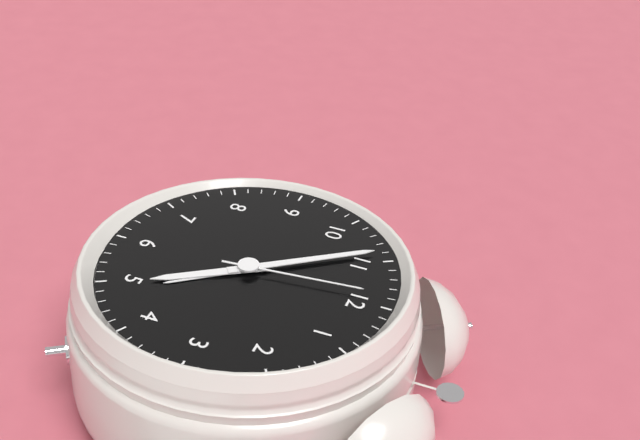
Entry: h=4 m=54 s=59
